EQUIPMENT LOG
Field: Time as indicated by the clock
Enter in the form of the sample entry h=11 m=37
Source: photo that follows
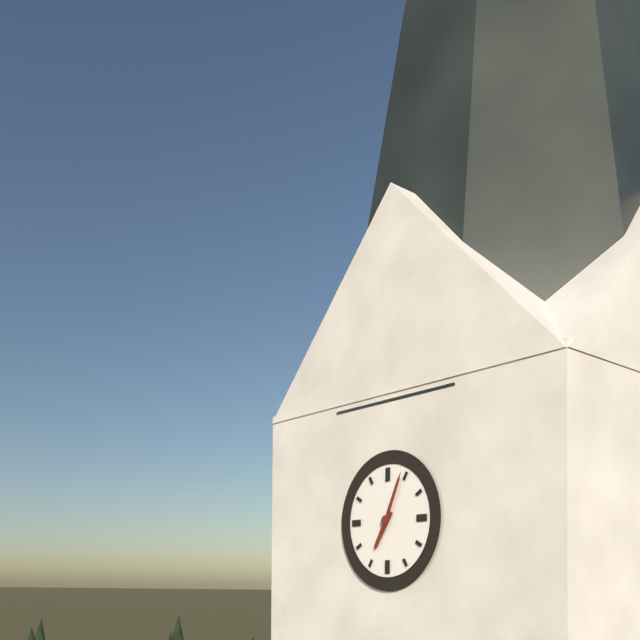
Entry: h=7 m=4
